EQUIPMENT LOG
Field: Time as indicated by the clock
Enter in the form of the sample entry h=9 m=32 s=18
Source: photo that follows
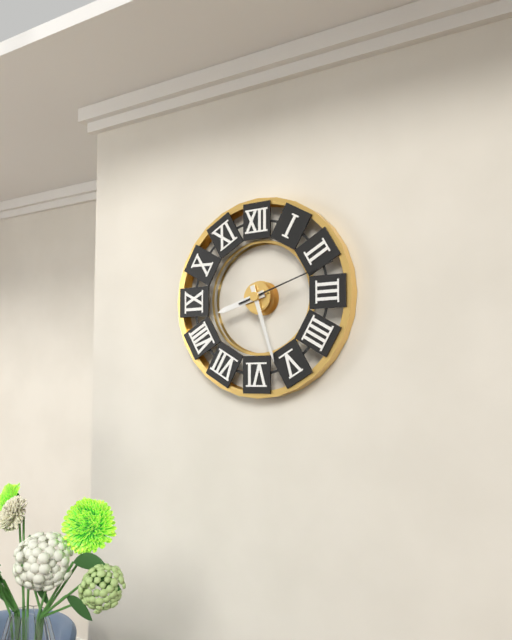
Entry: h=8 m=27 s=12
